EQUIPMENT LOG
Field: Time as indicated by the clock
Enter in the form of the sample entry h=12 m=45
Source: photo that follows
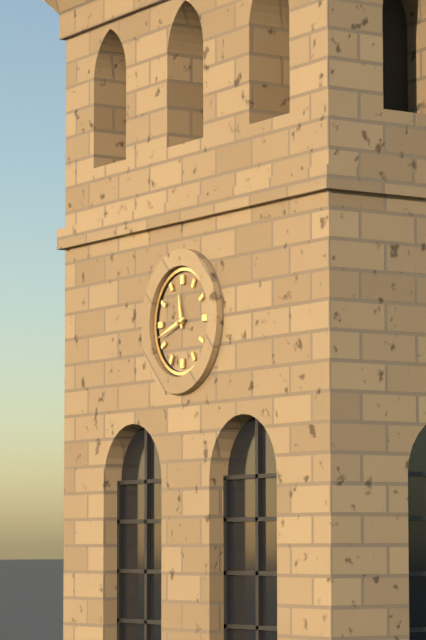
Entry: h=11 m=42
